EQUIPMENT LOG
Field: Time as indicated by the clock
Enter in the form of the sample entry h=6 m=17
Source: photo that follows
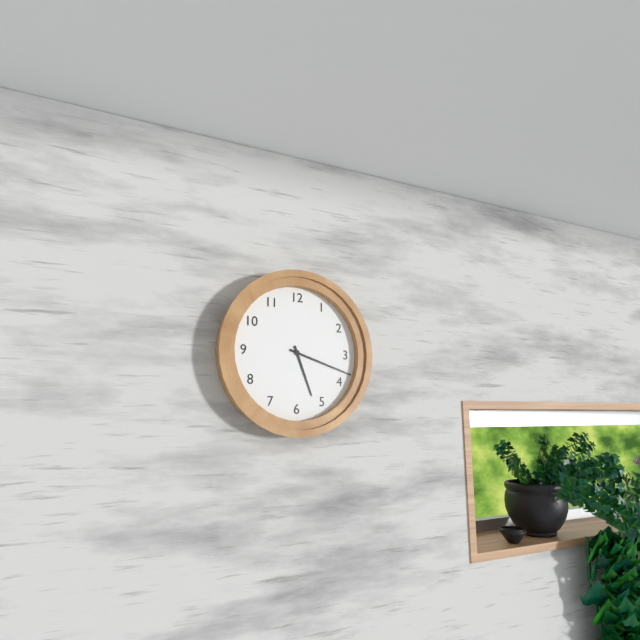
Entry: h=5 m=18
